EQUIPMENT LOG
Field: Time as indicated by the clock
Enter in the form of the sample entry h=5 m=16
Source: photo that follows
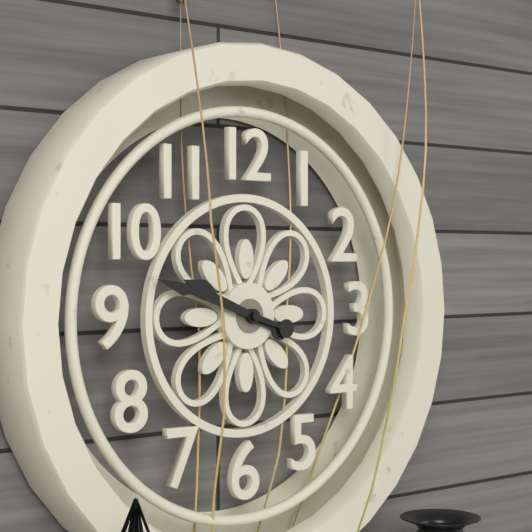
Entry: h=9 m=48
